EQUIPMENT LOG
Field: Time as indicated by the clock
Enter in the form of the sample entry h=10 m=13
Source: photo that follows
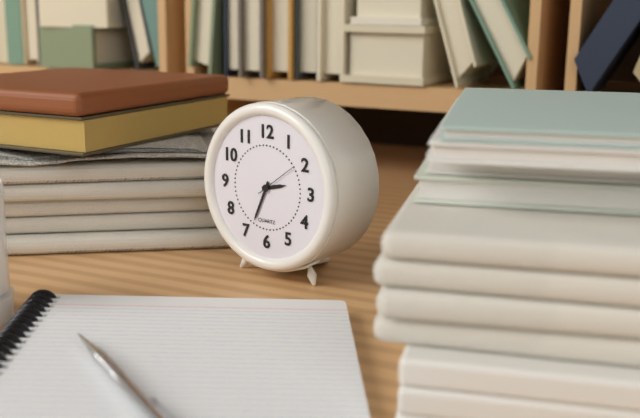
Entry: h=2 m=34
